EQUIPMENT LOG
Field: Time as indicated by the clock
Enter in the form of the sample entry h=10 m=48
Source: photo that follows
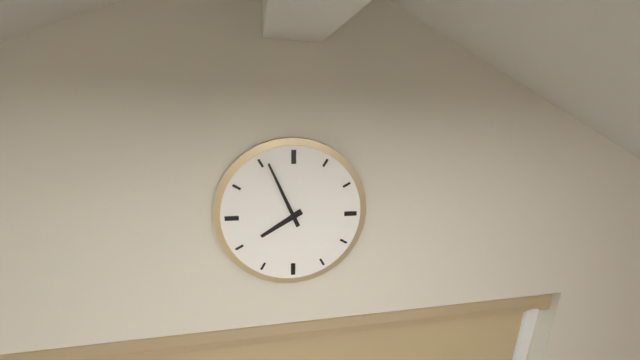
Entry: h=7 m=56
